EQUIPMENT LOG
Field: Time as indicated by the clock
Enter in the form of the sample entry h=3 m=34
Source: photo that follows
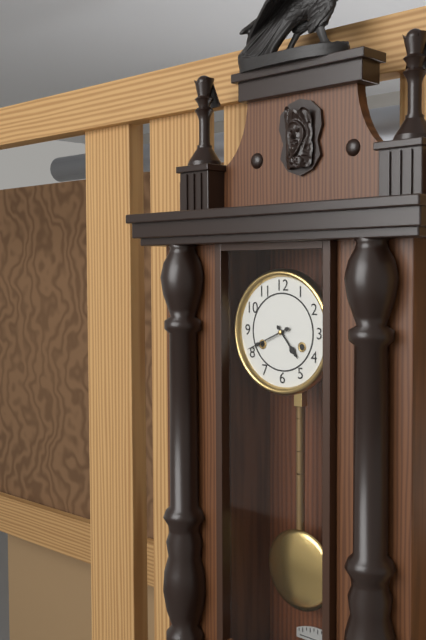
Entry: h=4 m=41
